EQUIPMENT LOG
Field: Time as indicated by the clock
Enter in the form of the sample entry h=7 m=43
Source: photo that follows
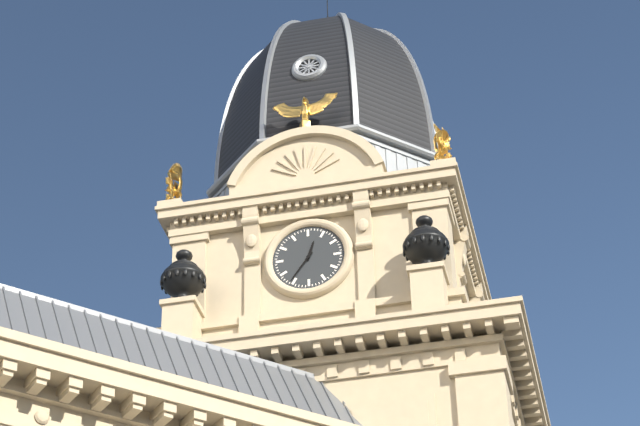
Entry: h=12 m=36
